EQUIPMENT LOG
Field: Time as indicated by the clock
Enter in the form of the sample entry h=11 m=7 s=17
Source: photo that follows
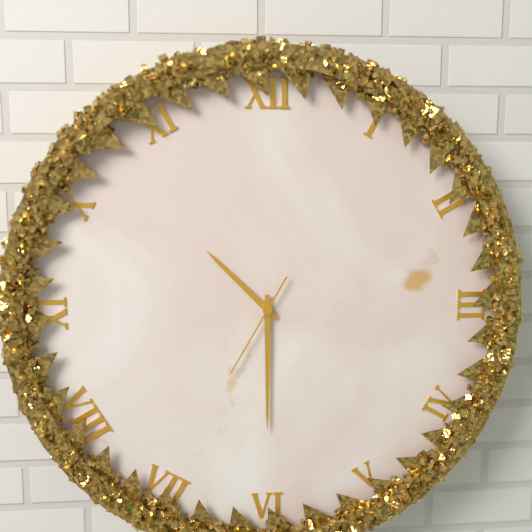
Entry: h=10 m=30 s=35
